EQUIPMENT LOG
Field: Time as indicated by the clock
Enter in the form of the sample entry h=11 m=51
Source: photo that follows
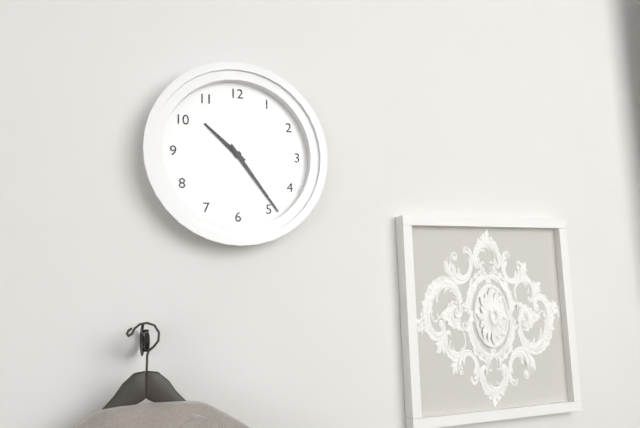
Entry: h=10 m=24
